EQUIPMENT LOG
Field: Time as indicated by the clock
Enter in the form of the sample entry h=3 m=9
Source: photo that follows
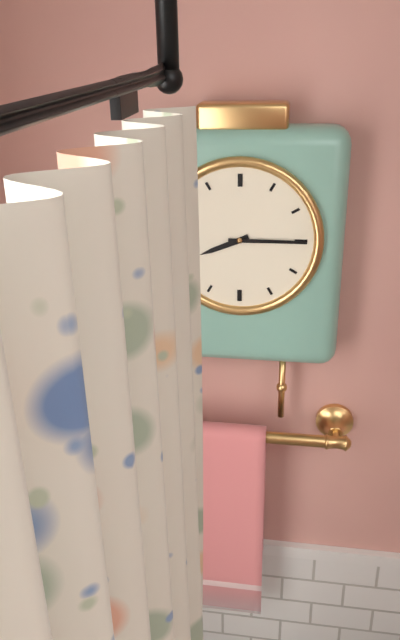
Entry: h=8 m=15
